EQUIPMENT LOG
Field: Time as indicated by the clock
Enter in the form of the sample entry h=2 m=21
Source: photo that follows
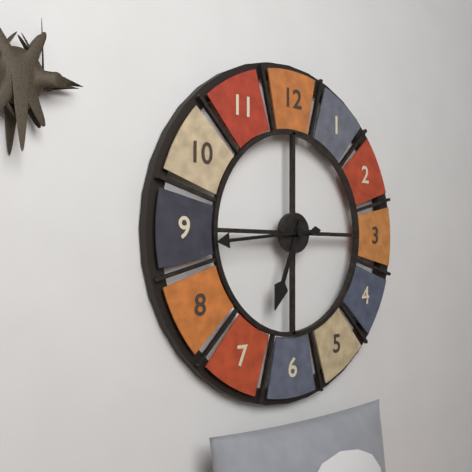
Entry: h=6 m=44
